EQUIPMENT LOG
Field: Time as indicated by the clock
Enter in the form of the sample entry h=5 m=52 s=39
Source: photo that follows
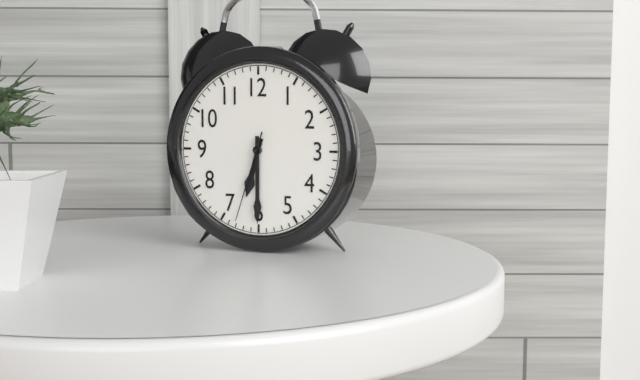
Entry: h=6 m=30 s=33
